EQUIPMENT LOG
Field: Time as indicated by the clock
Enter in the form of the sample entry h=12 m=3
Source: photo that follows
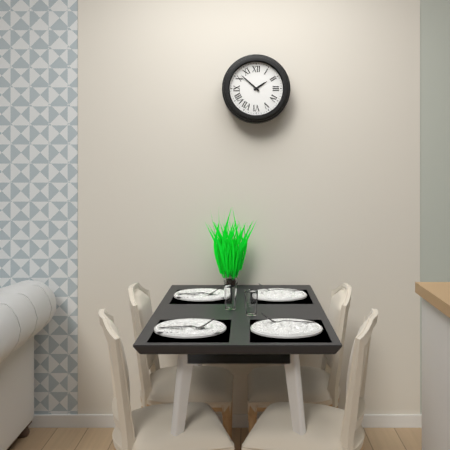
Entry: h=1 m=52
